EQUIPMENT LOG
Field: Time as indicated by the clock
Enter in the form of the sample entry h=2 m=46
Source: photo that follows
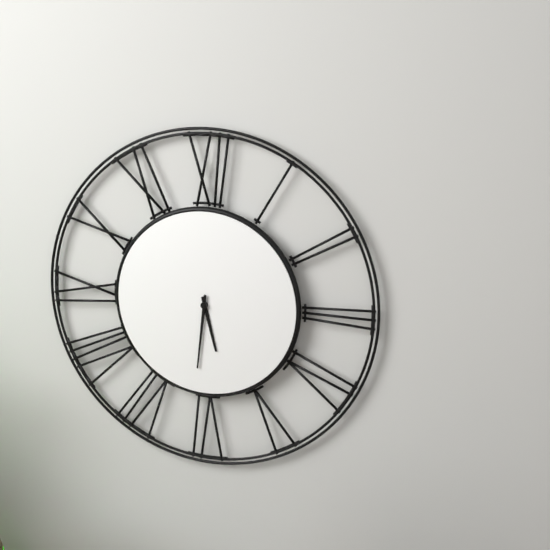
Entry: h=5 m=31
